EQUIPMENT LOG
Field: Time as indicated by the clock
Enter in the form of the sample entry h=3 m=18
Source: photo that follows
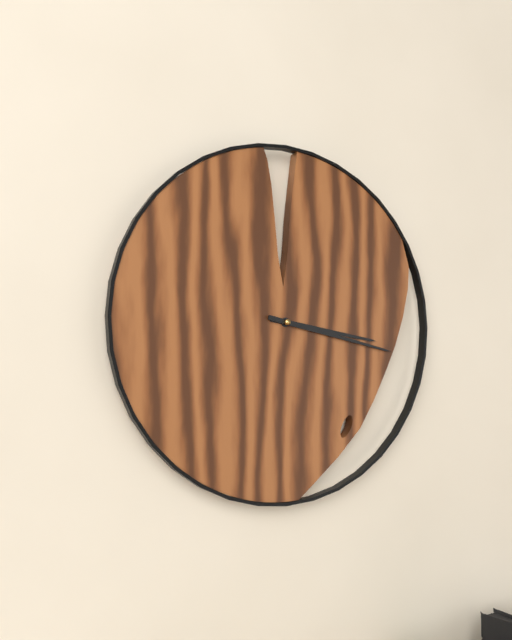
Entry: h=3 m=17
